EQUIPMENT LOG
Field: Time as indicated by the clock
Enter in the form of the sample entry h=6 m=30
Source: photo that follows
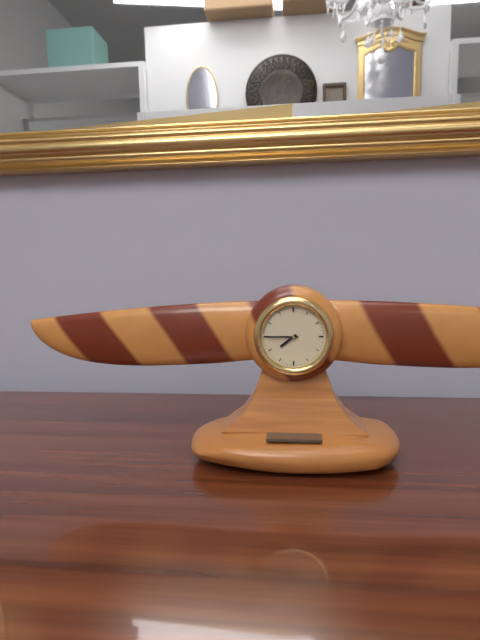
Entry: h=7 m=45
